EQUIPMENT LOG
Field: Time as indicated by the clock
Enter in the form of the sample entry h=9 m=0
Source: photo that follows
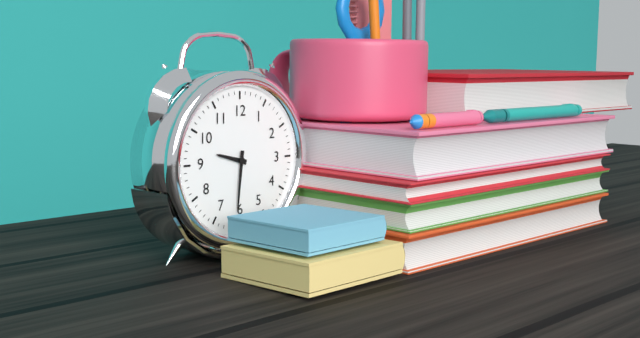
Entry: h=9 m=31
